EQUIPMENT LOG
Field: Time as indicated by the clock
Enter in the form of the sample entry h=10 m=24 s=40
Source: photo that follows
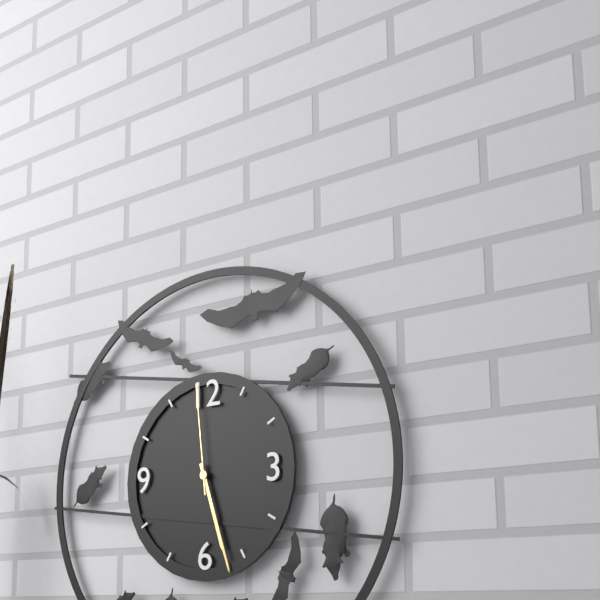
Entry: h=5 m=27 s=59
